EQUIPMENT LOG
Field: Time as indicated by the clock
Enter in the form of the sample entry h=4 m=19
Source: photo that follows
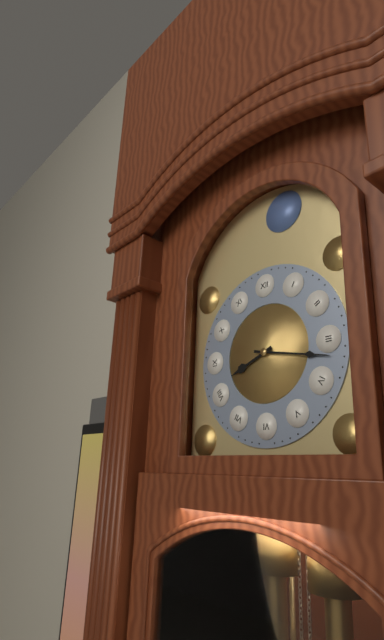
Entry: h=8 m=17
